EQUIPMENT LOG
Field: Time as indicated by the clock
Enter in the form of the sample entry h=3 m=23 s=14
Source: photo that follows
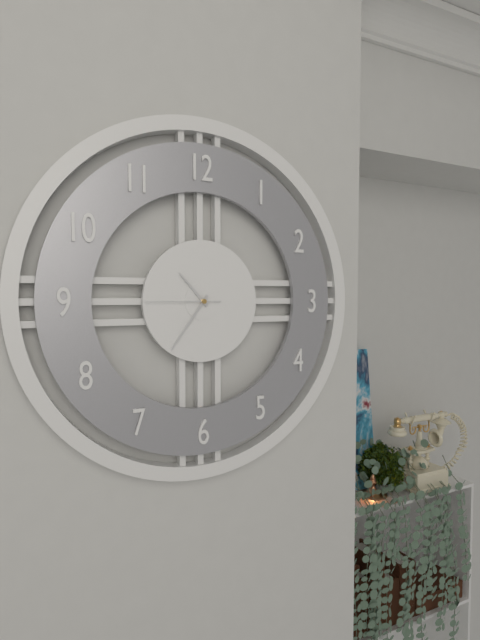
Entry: h=10 m=36 s=45
